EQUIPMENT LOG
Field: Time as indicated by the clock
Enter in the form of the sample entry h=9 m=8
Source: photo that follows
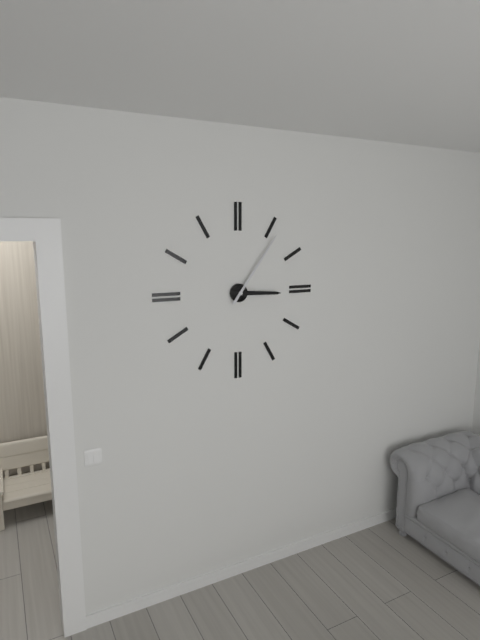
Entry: h=3 m=6
